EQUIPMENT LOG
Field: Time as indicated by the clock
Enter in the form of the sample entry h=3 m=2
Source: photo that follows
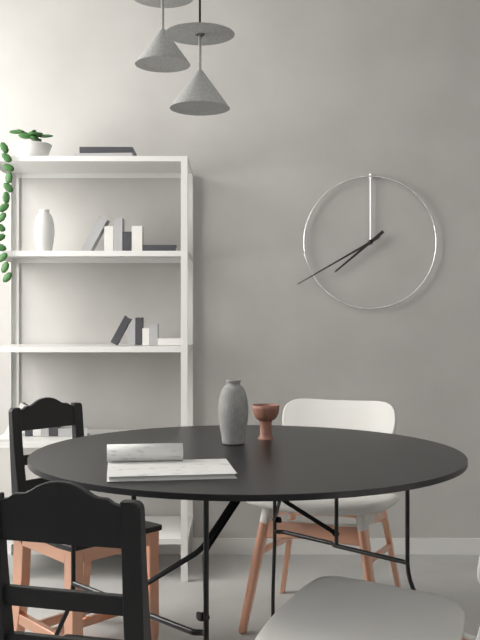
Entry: h=7 m=40
